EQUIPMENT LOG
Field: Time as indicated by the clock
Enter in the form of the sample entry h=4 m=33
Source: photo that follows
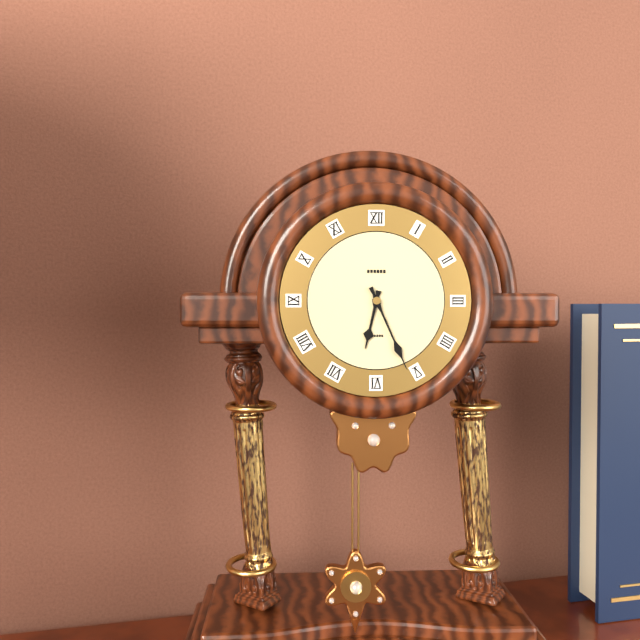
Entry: h=6 m=26
